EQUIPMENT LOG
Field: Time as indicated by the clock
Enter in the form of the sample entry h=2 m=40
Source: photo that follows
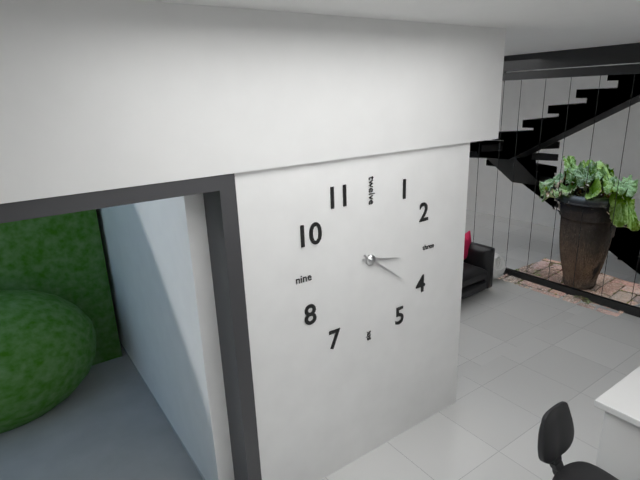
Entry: h=3 m=21
